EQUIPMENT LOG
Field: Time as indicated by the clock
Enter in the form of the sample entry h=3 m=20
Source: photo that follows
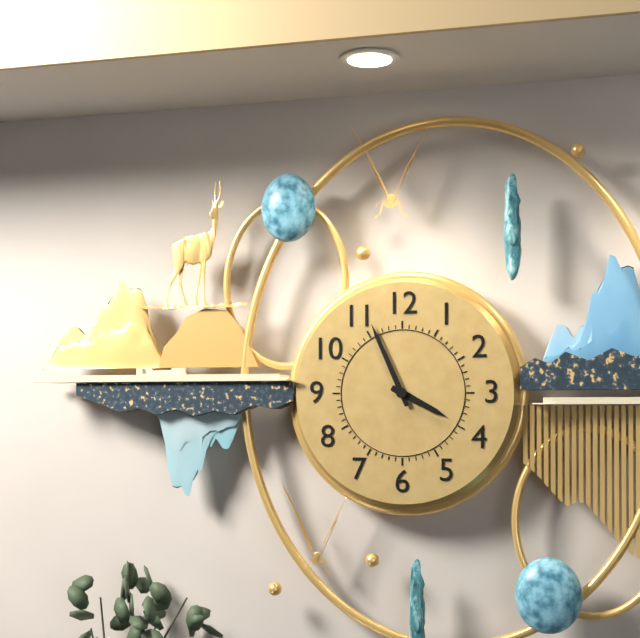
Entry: h=3 m=56
